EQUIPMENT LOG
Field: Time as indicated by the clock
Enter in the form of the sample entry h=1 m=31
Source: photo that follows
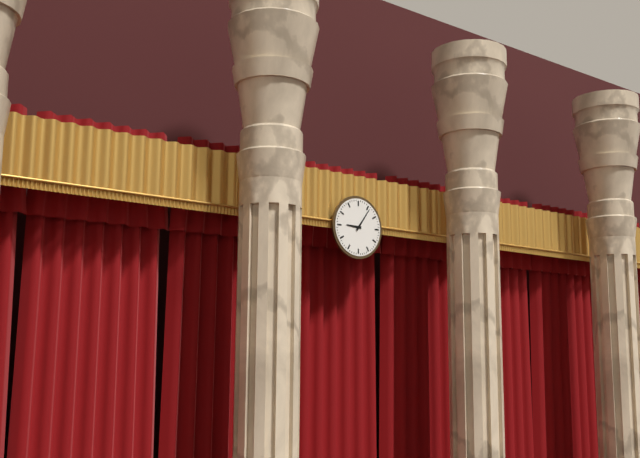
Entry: h=9 m=6
